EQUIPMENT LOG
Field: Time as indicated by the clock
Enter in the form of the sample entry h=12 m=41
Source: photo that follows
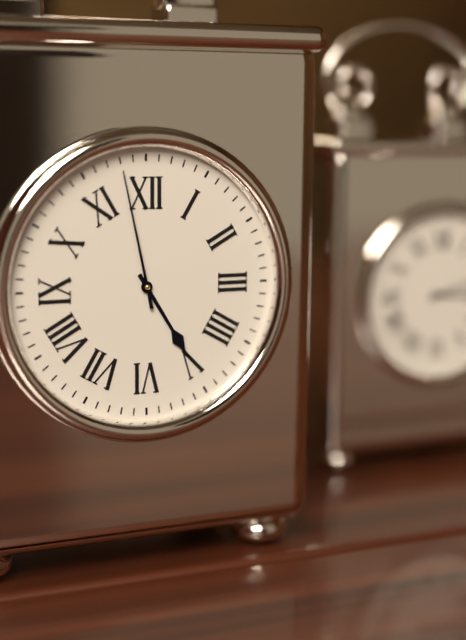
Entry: h=4 m=58
